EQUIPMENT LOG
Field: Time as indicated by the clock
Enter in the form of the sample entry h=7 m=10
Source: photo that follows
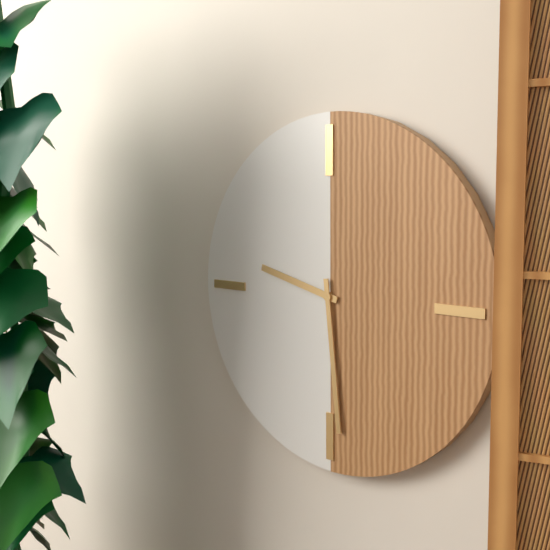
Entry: h=9 m=29
